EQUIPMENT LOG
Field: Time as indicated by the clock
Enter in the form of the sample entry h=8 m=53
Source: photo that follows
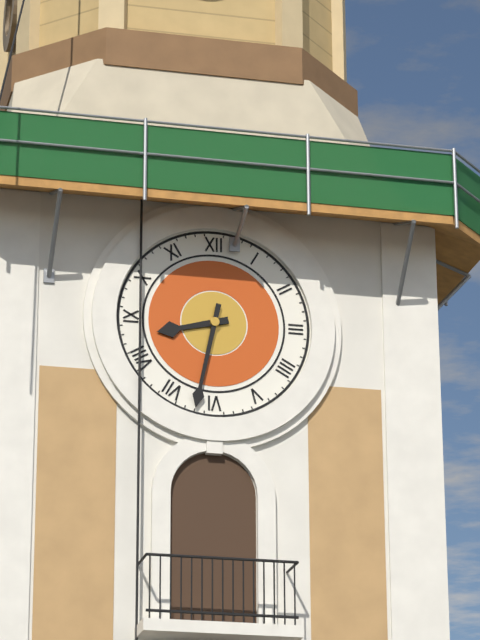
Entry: h=8 m=32
